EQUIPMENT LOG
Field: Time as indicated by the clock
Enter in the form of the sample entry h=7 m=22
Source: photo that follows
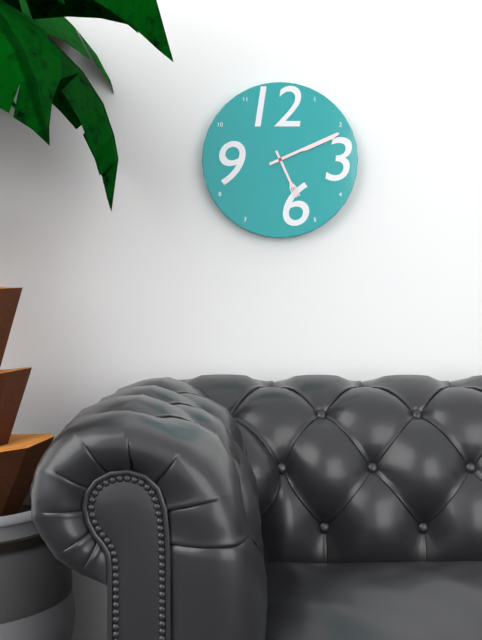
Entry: h=5 m=11
